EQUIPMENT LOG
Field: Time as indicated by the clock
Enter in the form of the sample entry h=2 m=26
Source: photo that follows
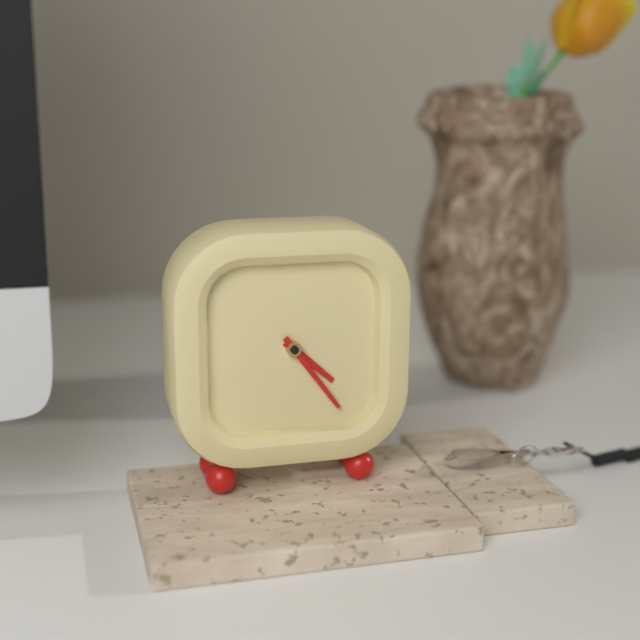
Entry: h=4 m=24
